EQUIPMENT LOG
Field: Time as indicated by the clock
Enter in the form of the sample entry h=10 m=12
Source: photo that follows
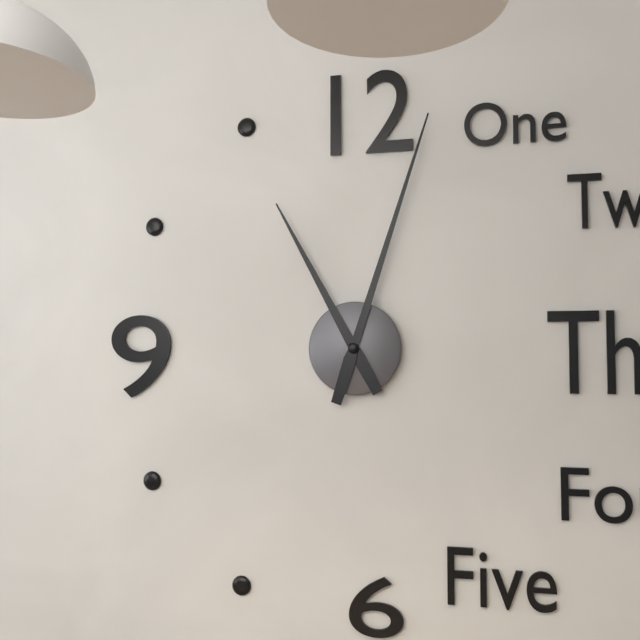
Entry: h=11 m=3
